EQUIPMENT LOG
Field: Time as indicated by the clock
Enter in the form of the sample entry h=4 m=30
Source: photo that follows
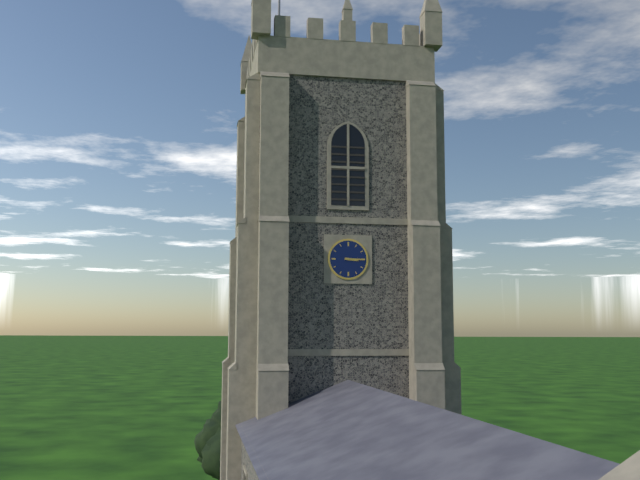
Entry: h=3 m=15
